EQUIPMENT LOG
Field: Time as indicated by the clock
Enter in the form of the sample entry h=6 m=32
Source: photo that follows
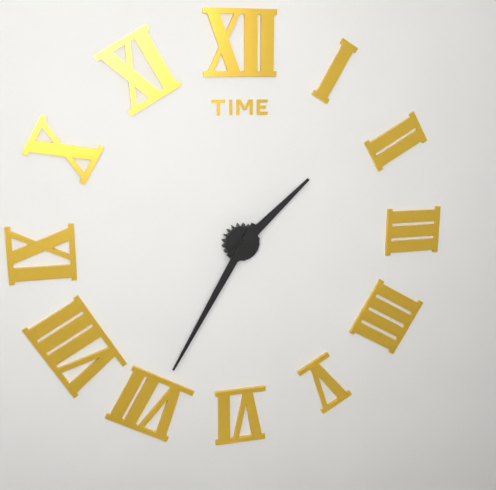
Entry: h=1 m=35
